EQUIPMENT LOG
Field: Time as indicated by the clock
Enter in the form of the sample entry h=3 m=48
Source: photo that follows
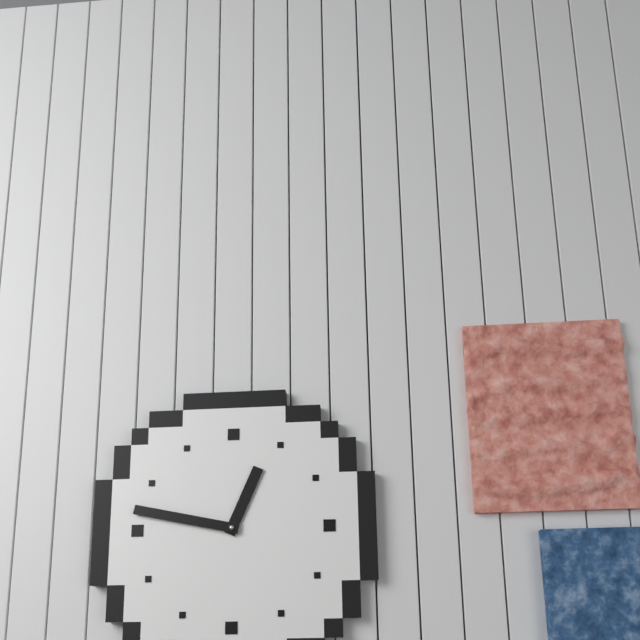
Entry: h=12 m=47
